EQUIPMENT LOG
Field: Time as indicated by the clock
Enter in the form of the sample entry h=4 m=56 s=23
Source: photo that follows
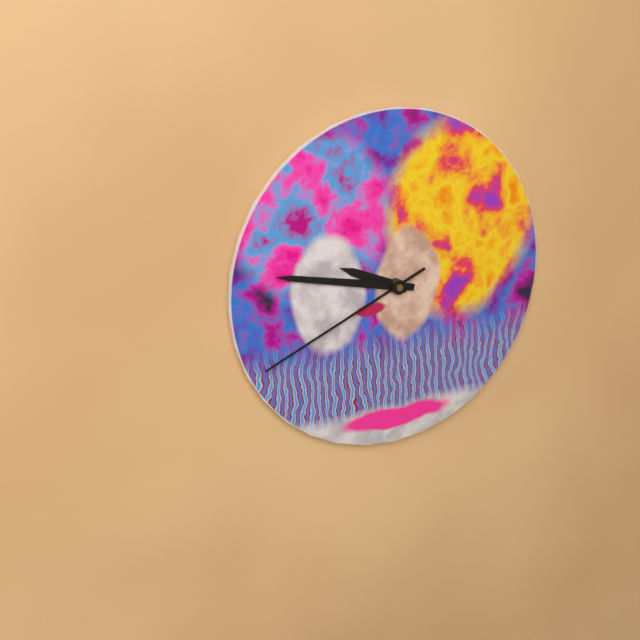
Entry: h=9 m=47 s=41
